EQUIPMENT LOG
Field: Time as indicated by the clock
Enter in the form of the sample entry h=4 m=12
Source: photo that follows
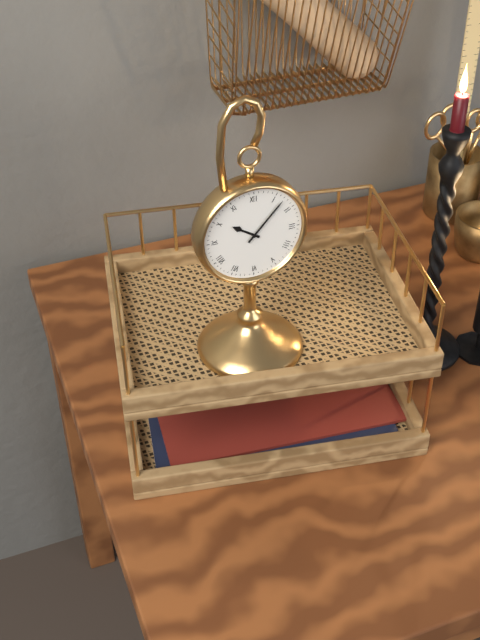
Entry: h=10 m=7
